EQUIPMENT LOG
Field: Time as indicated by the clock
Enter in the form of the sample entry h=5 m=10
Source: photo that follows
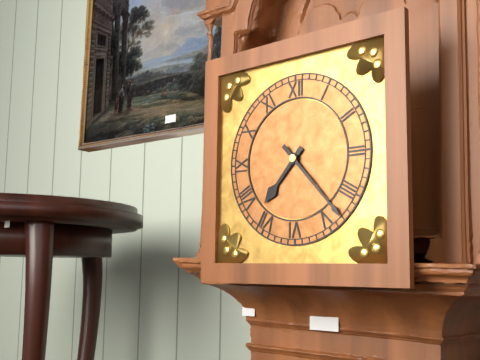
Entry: h=7 m=23
